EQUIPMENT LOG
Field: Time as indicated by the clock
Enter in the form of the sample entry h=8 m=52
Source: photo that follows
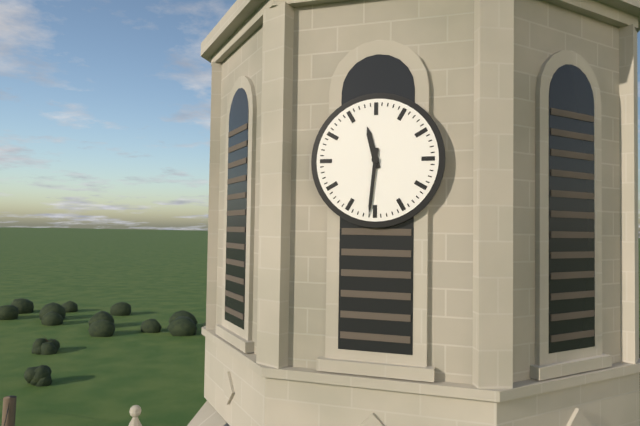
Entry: h=11 m=31
